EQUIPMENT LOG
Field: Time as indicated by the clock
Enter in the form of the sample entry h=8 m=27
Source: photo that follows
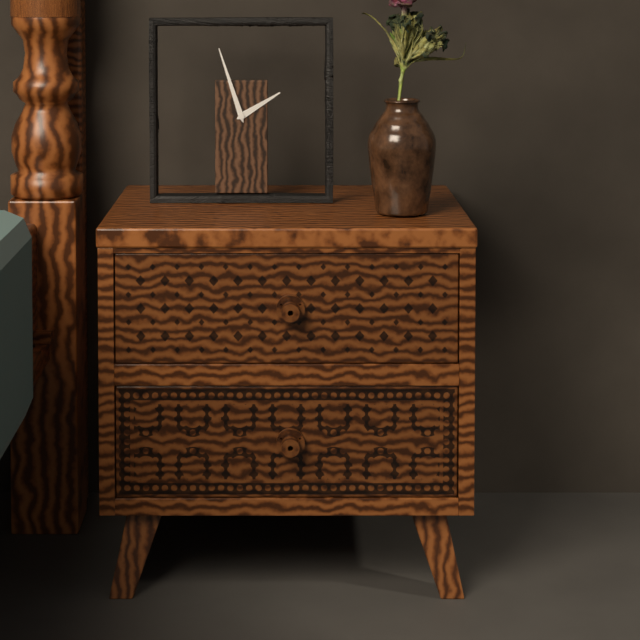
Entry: h=1 m=57
